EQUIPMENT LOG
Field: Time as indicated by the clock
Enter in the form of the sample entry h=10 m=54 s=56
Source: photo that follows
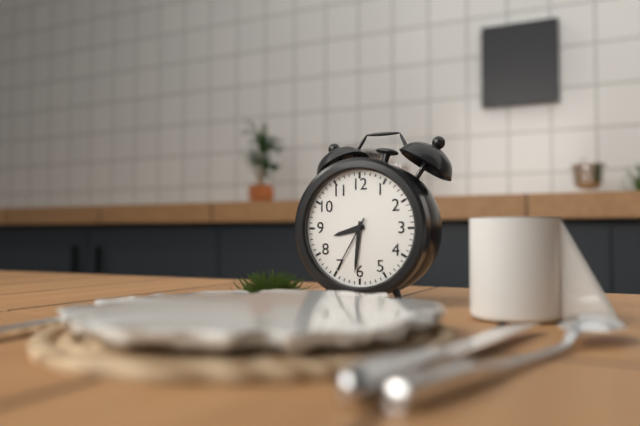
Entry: h=8 m=31 s=35
